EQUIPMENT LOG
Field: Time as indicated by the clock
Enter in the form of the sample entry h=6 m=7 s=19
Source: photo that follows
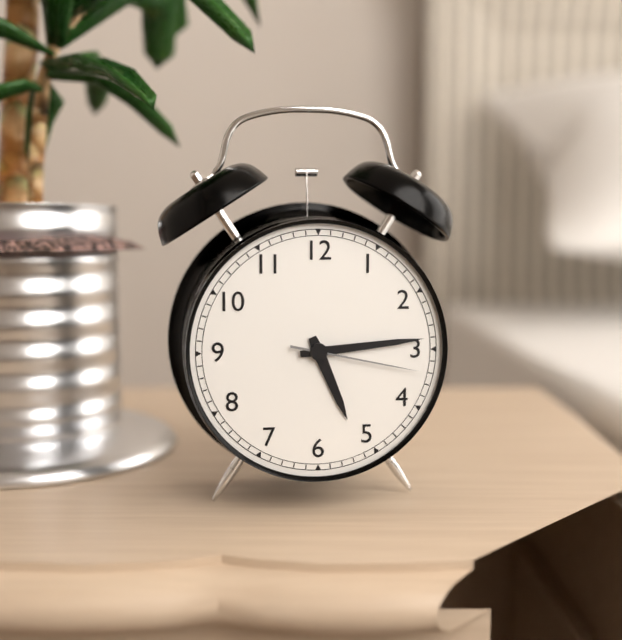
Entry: h=5 m=14 s=17
